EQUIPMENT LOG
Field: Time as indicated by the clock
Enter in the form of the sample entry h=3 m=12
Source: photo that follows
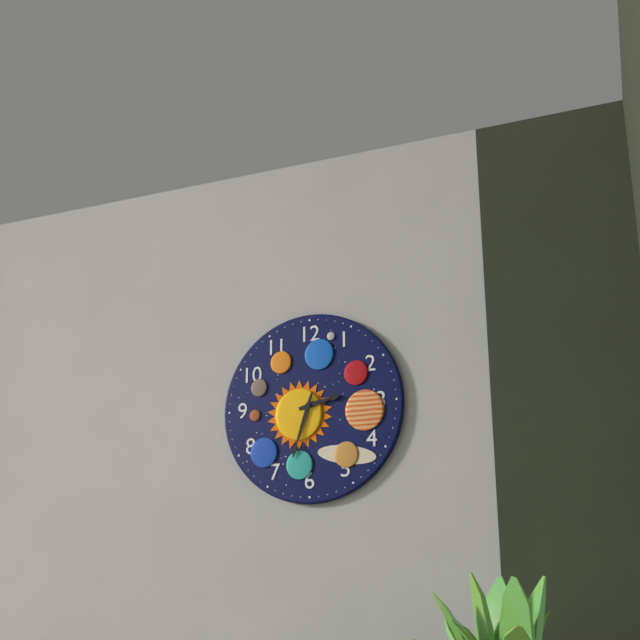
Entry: h=2 m=33
